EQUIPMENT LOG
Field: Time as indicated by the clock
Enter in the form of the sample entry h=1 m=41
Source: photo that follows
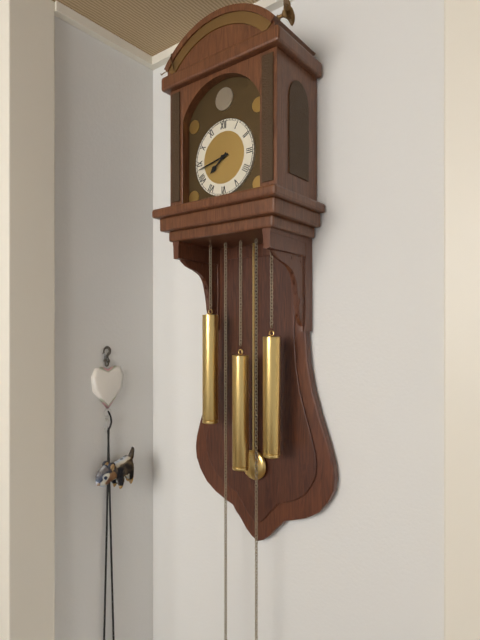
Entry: h=7 m=43
